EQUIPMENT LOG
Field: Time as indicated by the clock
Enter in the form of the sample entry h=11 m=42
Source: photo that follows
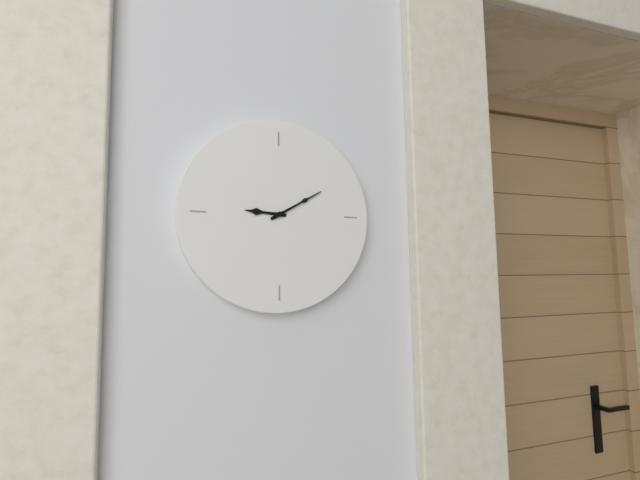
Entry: h=9 m=10
